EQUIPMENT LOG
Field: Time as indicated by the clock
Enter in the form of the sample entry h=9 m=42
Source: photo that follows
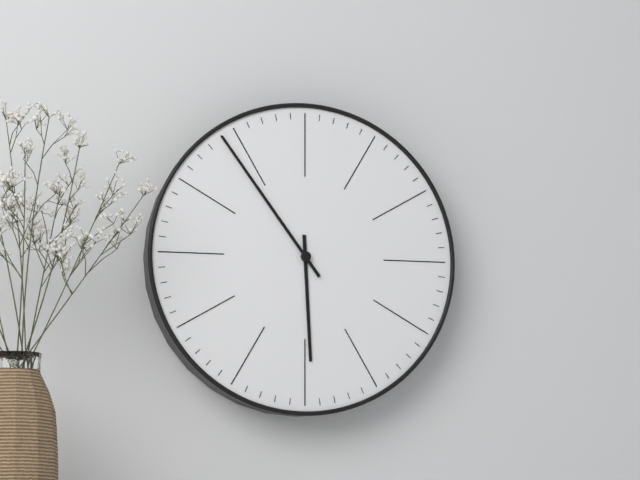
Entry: h=5 m=54
